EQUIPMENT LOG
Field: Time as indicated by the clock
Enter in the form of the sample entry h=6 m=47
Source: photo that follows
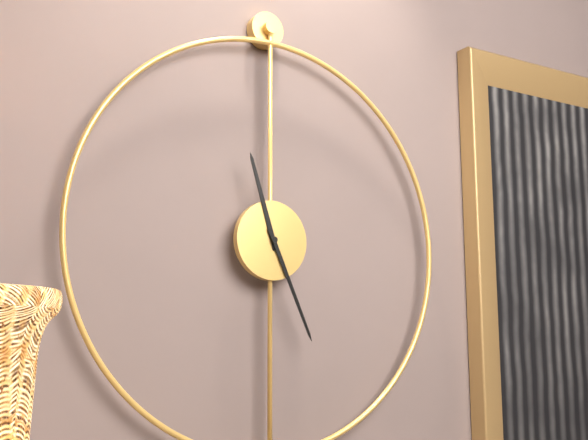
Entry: h=11 m=26
